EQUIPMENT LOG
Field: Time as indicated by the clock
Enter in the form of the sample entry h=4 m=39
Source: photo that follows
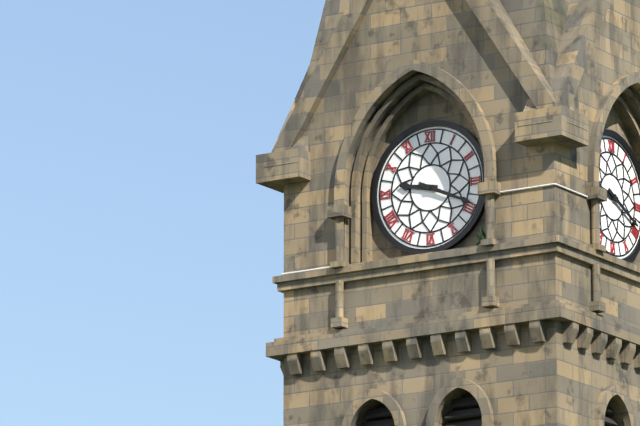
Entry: h=9 m=19
